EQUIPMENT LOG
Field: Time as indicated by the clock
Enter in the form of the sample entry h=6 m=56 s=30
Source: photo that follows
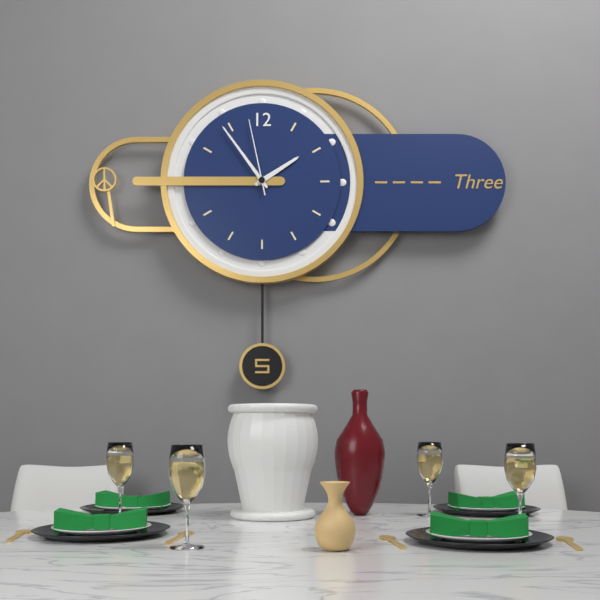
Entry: h=1 m=54 s=58
